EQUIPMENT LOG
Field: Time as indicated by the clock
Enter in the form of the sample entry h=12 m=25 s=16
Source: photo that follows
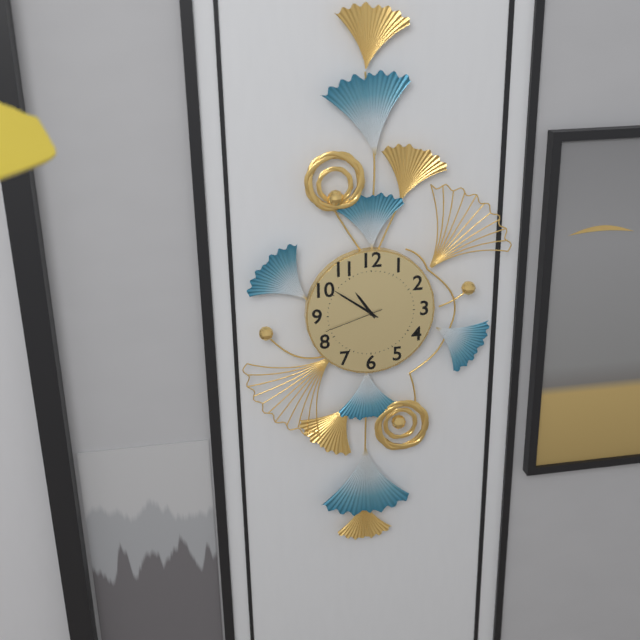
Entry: h=10 m=51 s=42
